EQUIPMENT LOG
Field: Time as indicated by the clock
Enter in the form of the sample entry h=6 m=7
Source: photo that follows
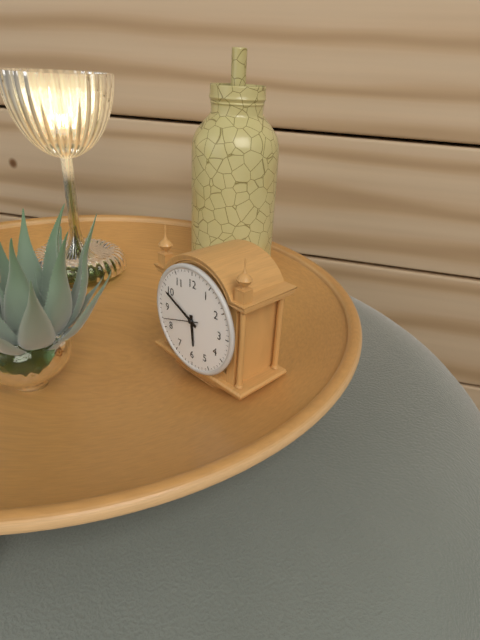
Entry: h=5 m=49
